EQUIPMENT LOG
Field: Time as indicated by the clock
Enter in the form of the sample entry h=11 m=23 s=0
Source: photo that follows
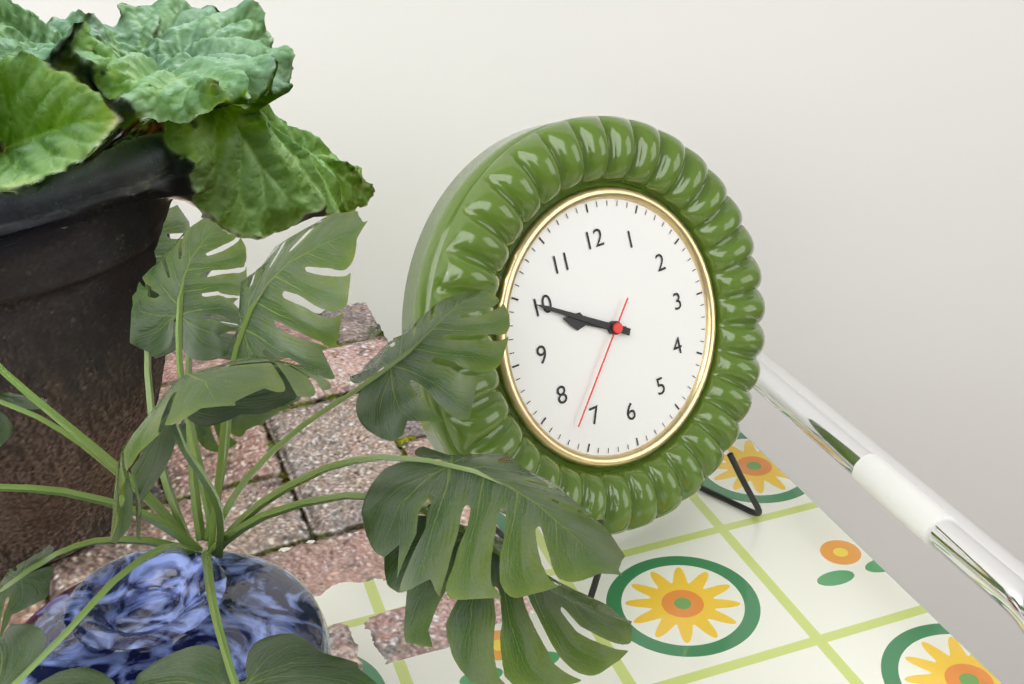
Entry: h=9 m=50 s=37
